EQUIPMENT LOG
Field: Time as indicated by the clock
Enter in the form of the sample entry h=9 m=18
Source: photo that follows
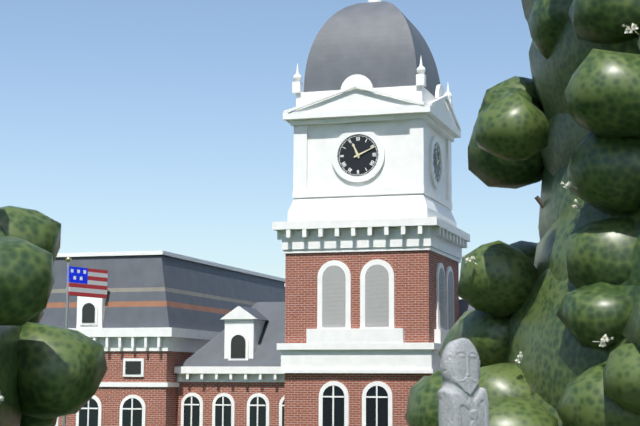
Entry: h=11 m=11
